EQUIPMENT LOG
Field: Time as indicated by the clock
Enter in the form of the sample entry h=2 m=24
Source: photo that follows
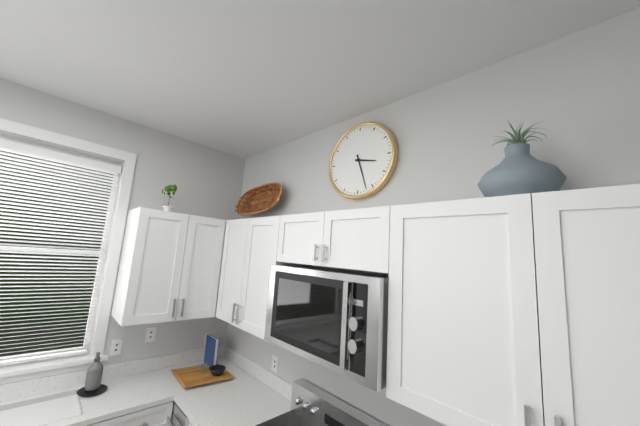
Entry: h=3 m=27
